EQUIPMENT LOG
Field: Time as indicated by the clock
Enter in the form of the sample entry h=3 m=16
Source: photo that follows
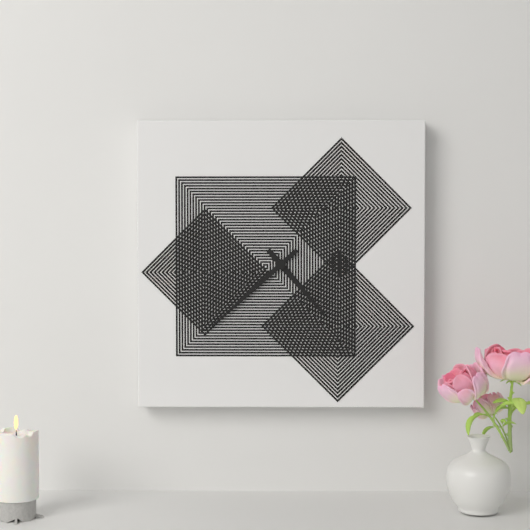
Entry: h=4 m=38
